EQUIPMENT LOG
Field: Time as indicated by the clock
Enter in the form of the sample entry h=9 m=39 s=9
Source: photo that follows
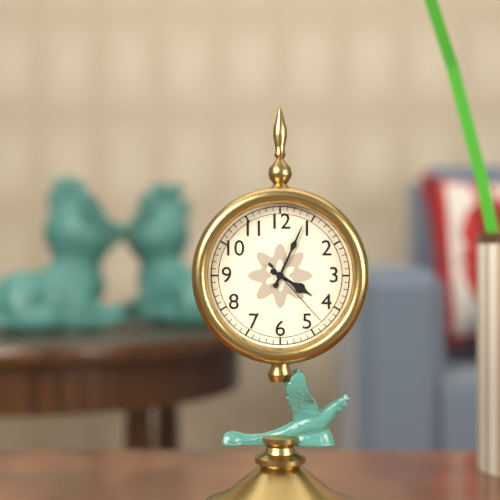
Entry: h=4 m=4 s=23
